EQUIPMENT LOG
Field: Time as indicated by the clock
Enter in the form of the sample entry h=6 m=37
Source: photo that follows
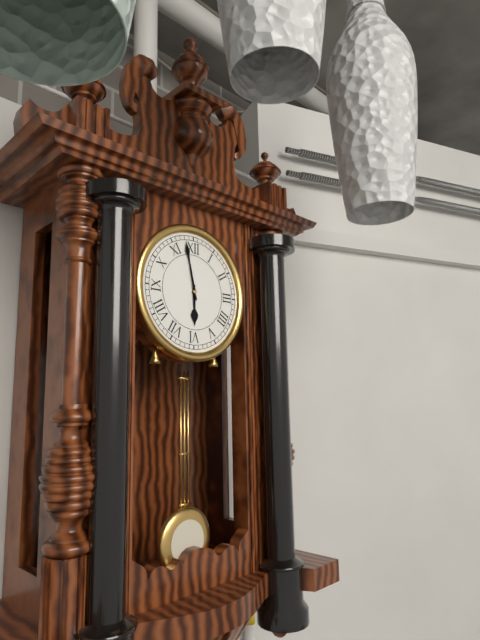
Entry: h=5 m=58
